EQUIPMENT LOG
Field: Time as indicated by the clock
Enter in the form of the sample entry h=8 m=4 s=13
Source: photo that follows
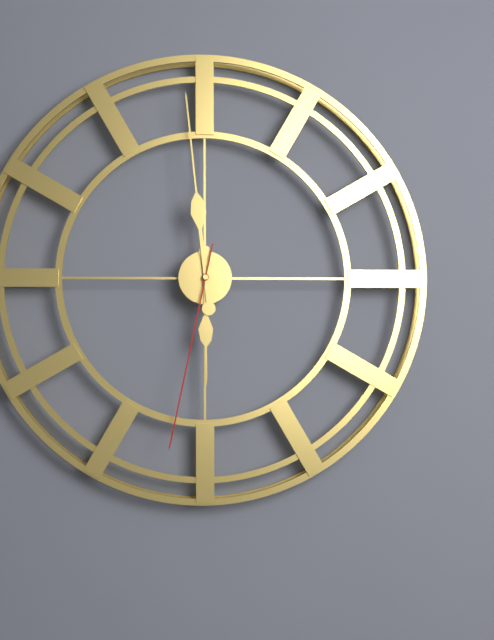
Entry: h=5 m=59 s=32
